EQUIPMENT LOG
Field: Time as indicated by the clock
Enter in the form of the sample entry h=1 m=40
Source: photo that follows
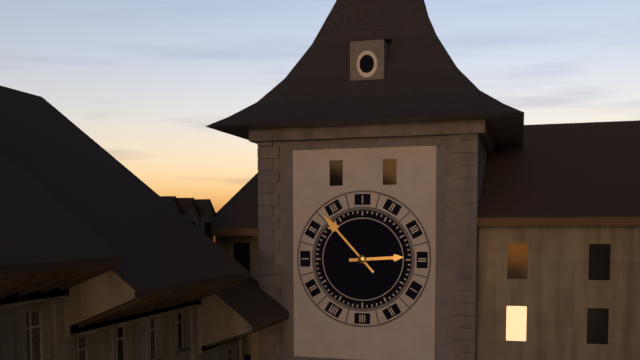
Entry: h=2 m=53
